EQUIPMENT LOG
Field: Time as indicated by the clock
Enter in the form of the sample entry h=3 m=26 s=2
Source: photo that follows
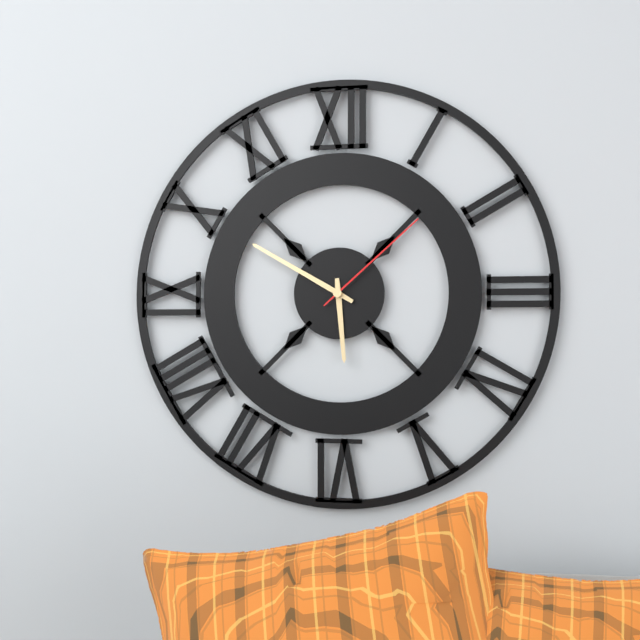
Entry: h=5 m=50 s=8
